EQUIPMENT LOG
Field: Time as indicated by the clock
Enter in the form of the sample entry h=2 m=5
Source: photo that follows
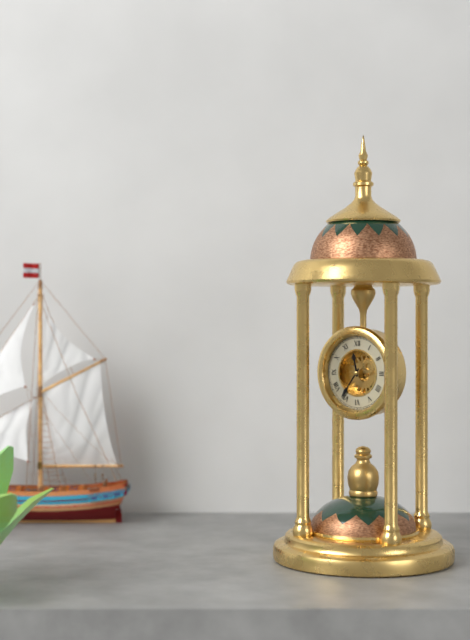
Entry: h=11 m=36
